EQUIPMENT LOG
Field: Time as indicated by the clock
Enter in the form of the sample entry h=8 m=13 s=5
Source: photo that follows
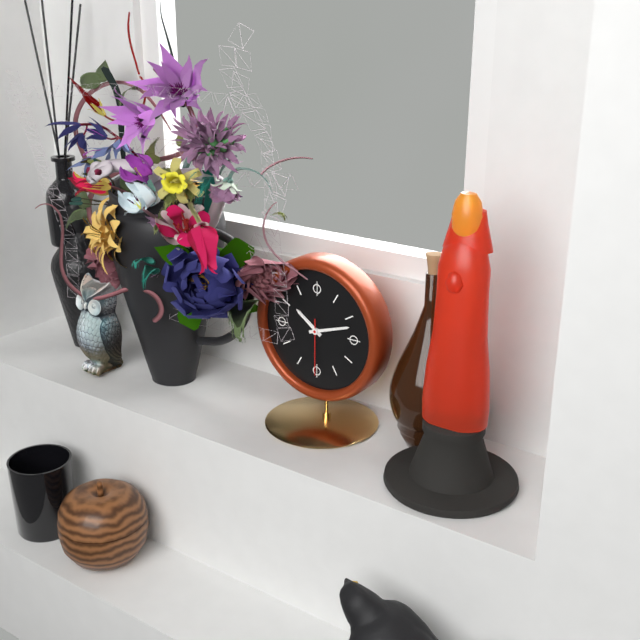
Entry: h=10 m=12 s=30
